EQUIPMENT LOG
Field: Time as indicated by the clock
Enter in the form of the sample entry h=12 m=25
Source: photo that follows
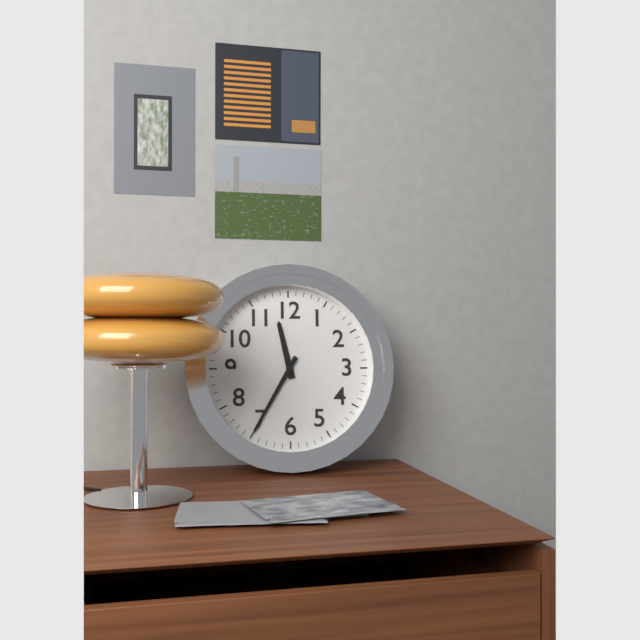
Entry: h=11 m=35
